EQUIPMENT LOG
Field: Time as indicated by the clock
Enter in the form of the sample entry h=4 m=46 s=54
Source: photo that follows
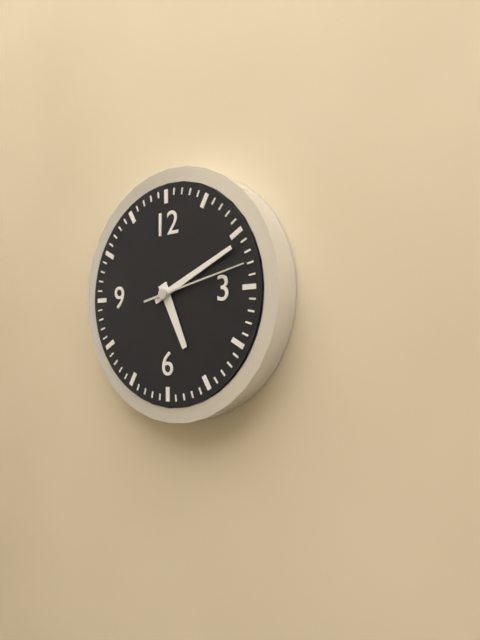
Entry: h=5 m=11 s=13
